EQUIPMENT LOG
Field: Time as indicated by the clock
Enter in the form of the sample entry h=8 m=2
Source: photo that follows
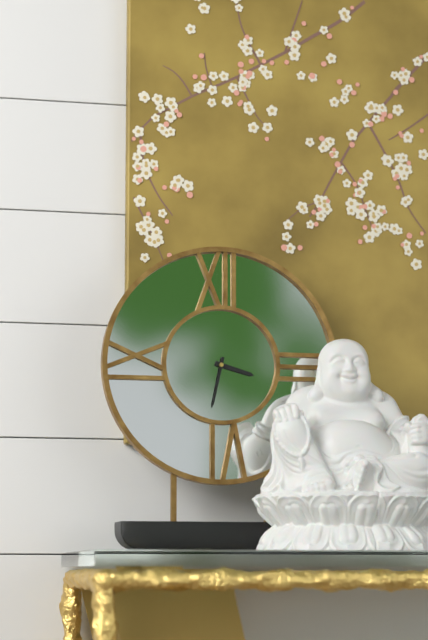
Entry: h=3 m=32
